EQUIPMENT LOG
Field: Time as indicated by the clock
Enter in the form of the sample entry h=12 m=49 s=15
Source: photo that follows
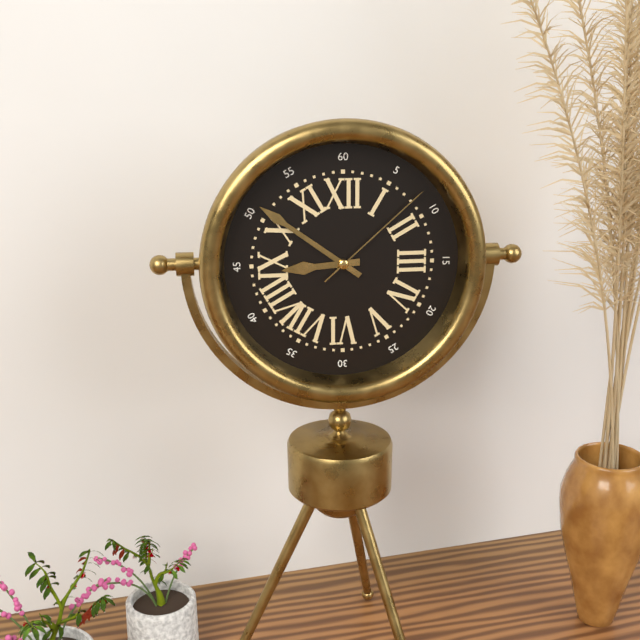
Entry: h=8 m=51 s=8
